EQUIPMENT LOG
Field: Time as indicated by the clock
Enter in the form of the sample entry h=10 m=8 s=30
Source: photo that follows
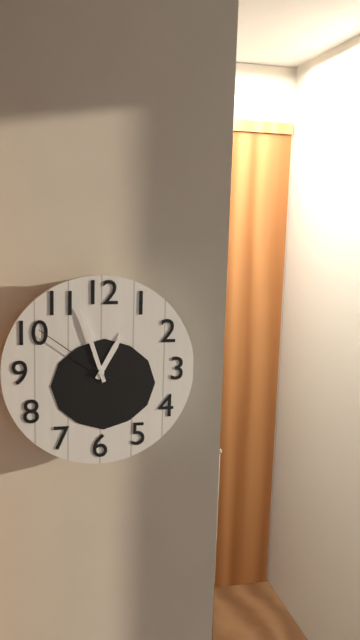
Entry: h=12 m=57 s=51
